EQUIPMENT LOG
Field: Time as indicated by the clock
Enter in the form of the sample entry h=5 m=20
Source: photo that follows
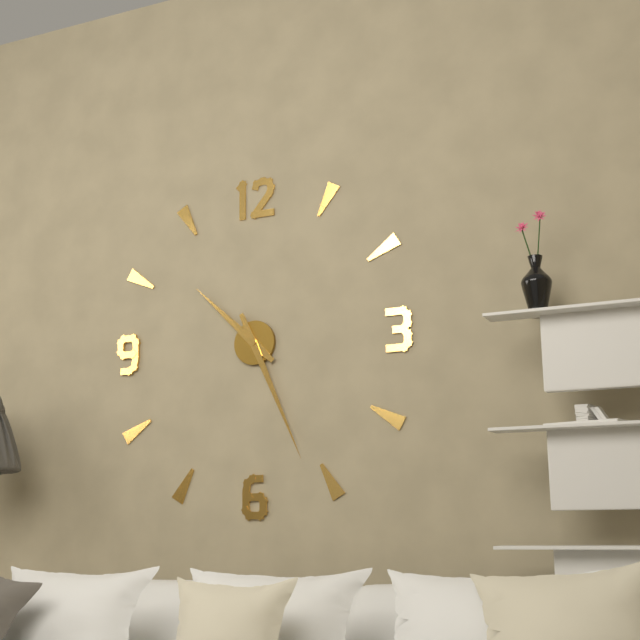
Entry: h=10 m=26
